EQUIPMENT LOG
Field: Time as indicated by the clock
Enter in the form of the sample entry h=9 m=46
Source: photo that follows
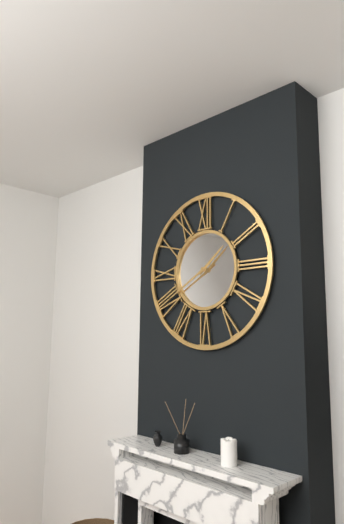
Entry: h=1 m=40
